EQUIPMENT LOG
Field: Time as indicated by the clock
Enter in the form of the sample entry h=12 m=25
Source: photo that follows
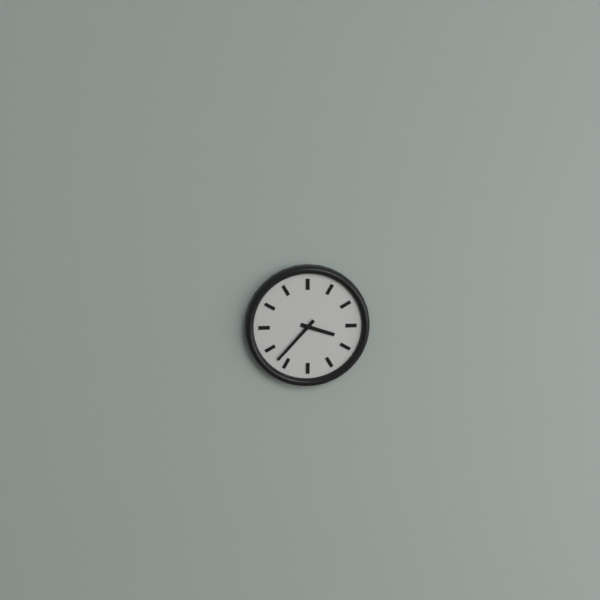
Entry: h=3 m=37
